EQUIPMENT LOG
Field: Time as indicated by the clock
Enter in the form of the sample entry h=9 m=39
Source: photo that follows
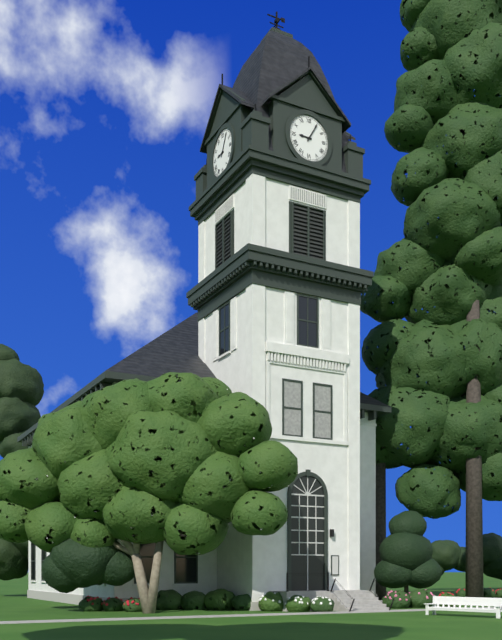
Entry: h=9 m=5
